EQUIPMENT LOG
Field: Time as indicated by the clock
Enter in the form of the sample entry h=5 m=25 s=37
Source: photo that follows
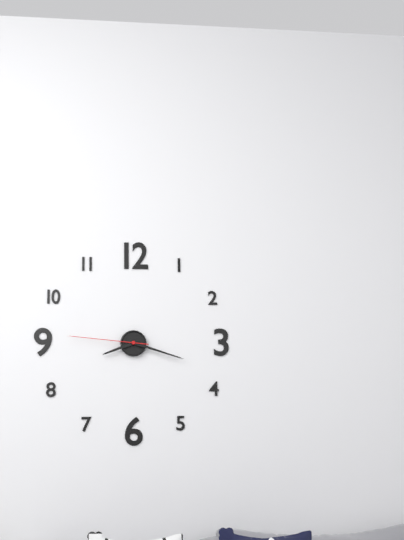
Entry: h=8 m=18 s=46
